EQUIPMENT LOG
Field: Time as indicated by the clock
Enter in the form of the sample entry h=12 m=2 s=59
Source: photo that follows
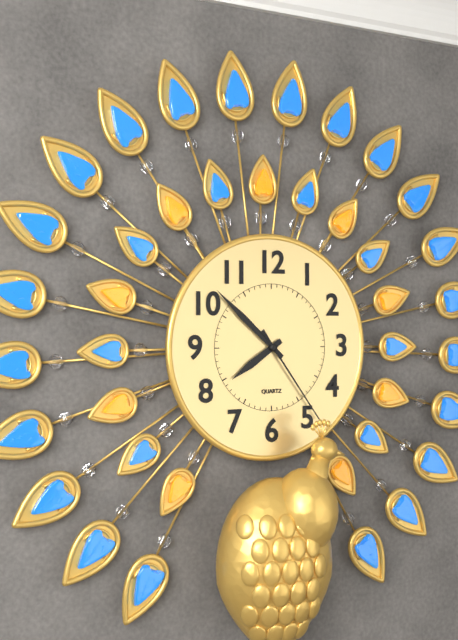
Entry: h=7 m=52 s=24
